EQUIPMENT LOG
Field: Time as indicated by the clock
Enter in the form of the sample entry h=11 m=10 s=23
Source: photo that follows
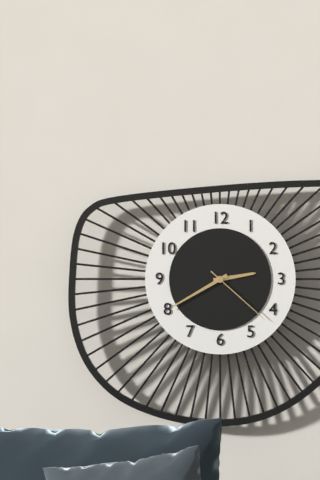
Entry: h=2 m=40 s=22
